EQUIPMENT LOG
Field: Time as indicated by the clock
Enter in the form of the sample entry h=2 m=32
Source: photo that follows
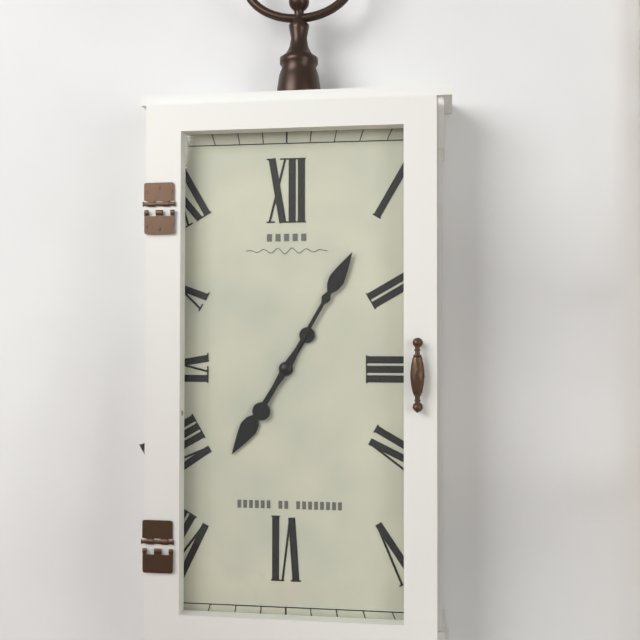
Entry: h=7 m=5
